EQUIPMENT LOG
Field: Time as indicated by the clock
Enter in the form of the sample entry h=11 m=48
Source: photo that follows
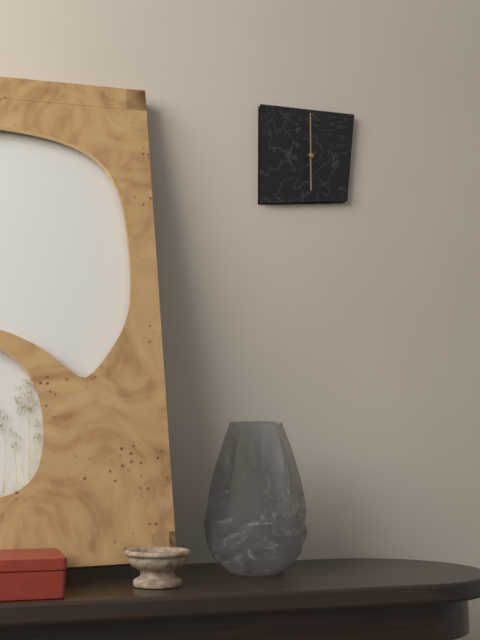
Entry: h=6 m=0
